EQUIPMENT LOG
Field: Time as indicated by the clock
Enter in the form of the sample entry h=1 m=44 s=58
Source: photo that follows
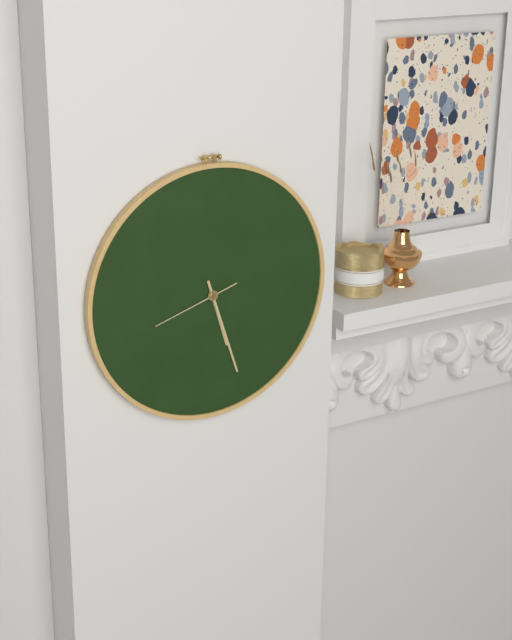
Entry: h=5 m=27 s=42
